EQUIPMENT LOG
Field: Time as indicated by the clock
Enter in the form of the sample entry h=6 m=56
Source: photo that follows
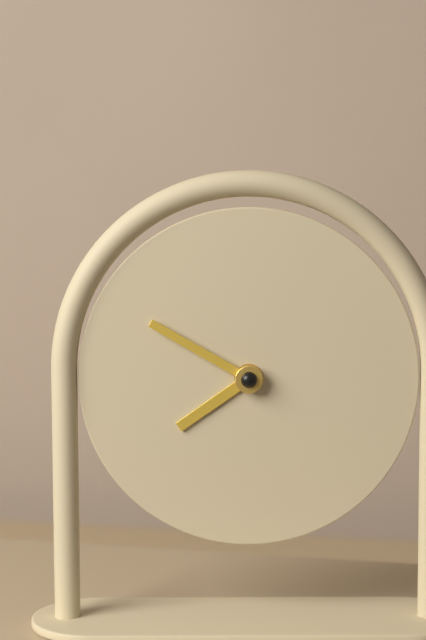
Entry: h=7 m=50
